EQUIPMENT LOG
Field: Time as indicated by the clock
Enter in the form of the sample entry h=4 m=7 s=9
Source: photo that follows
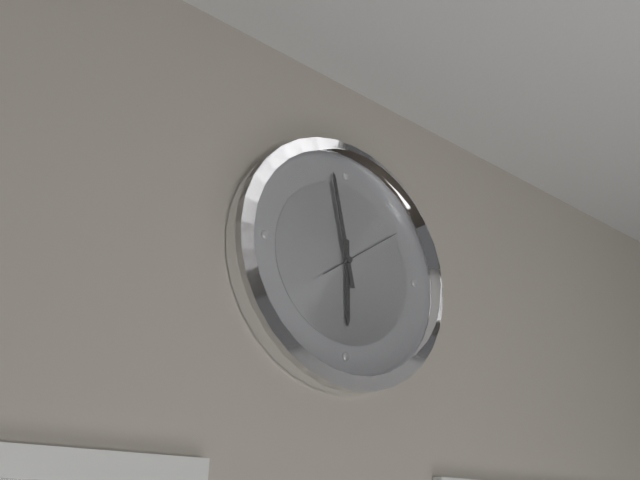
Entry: h=5 m=58 s=9
